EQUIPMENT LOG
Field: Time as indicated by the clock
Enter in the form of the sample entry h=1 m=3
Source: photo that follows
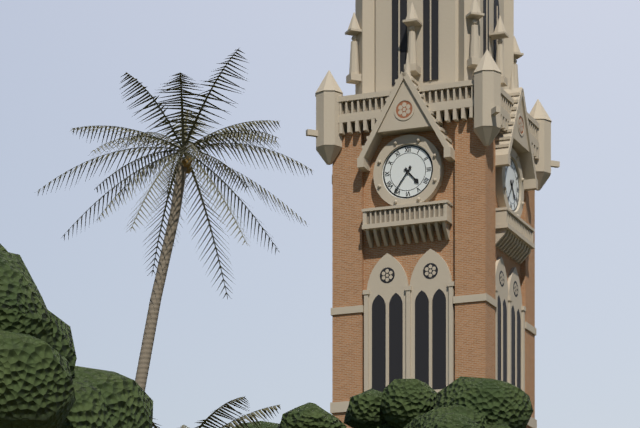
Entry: h=4 m=36
